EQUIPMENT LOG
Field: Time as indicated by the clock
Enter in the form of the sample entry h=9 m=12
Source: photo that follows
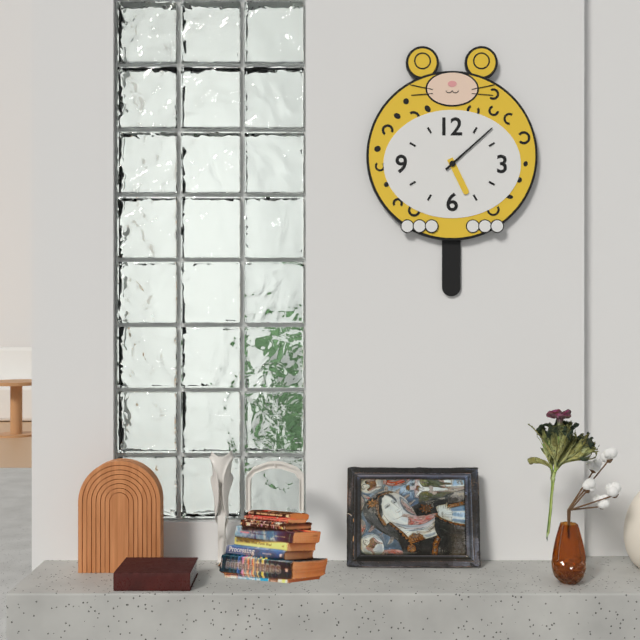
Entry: h=5 m=8
